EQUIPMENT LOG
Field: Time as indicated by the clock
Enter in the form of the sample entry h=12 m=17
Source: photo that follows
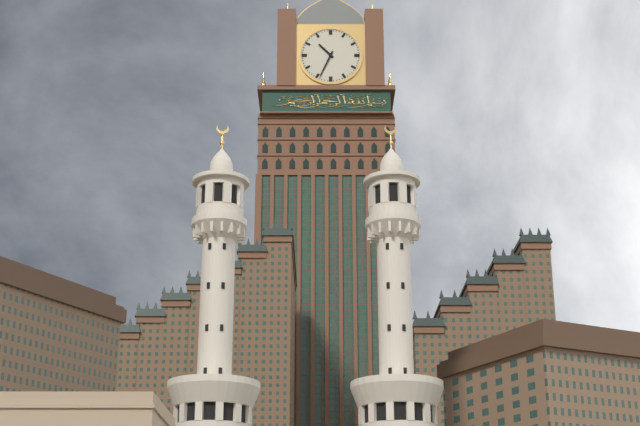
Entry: h=10 m=34
